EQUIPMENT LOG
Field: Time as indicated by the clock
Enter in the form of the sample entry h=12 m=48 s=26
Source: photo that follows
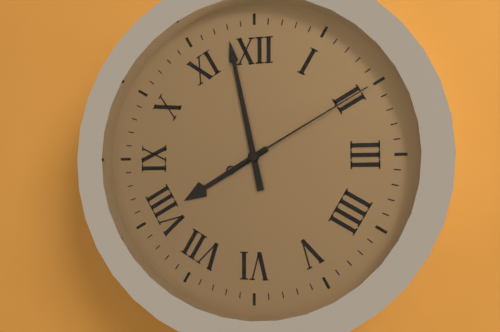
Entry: h=7 m=58 s=10
